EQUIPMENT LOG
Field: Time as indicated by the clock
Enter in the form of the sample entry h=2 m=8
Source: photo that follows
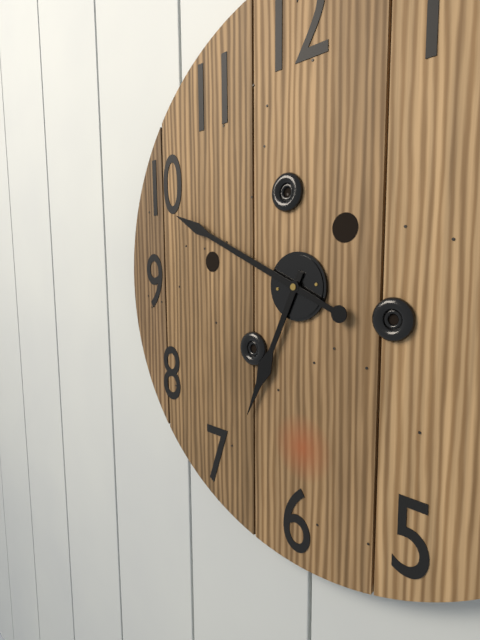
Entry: h=6 m=49
